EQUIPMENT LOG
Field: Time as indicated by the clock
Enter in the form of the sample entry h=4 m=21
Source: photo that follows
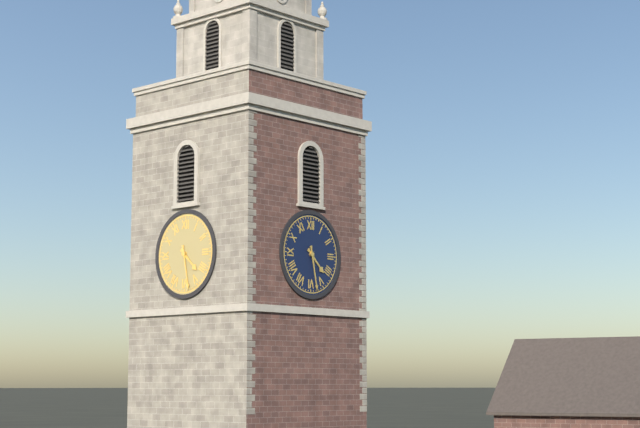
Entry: h=4 m=28
